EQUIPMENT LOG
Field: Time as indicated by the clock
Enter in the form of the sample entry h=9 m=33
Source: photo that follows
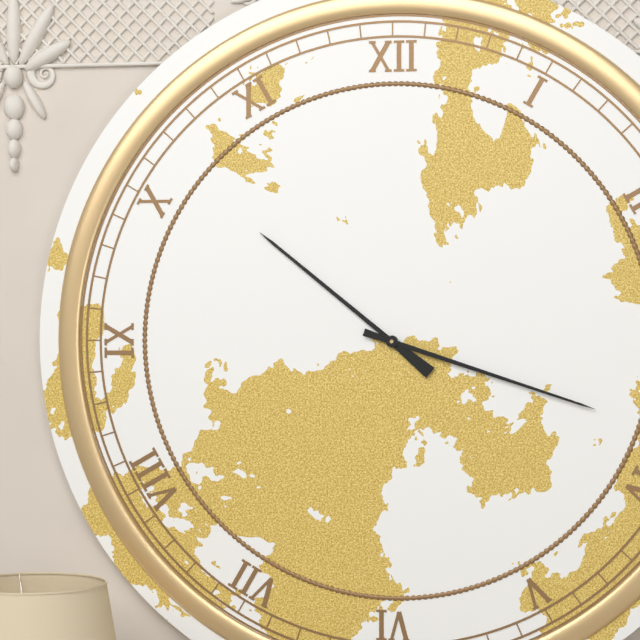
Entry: h=10 m=18
